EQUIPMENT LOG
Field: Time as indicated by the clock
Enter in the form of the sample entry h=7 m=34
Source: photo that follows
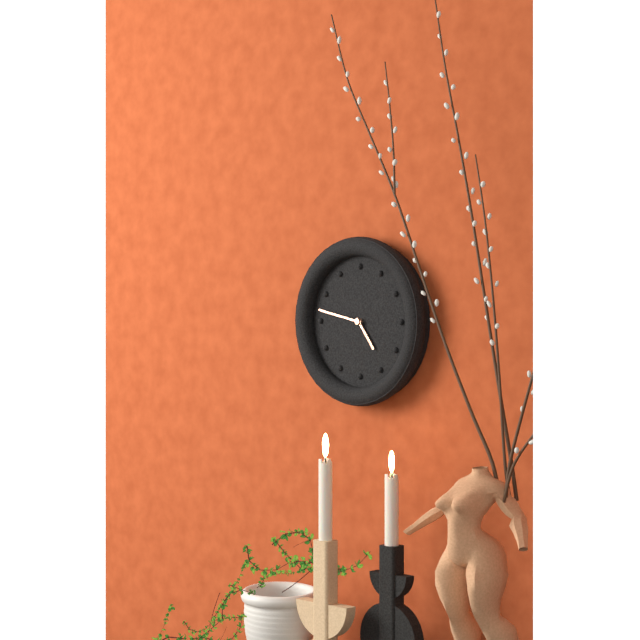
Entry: h=4 m=47
